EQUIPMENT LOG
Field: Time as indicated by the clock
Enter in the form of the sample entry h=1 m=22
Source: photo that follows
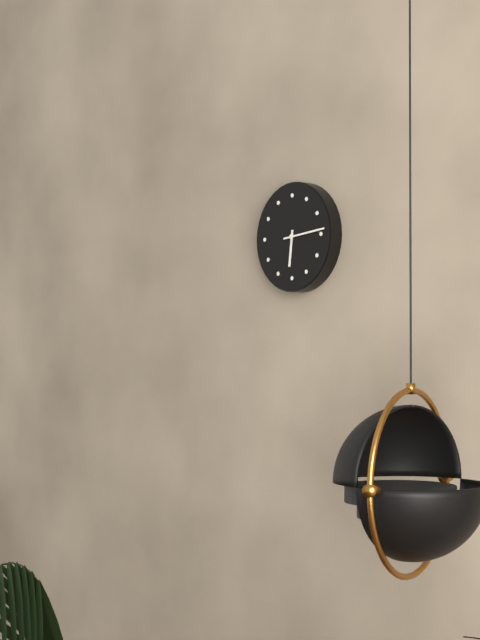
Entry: h=6 m=14
